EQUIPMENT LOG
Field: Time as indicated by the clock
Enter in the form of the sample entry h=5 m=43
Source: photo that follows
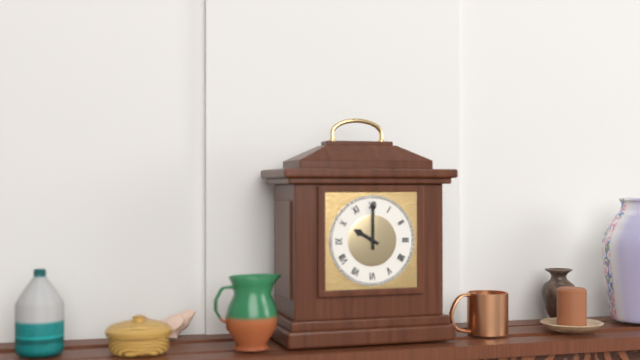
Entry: h=10 m=0
